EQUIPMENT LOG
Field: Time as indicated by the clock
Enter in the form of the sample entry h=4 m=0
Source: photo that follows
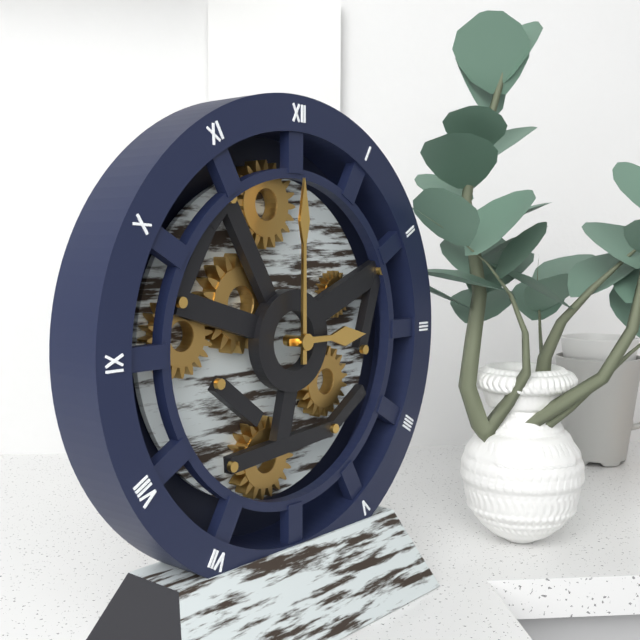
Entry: h=3 m=0
